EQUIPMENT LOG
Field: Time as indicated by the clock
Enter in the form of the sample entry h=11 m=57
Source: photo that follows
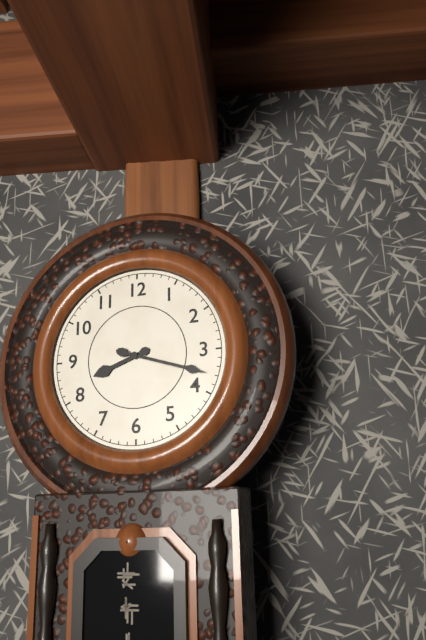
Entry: h=8 m=18
